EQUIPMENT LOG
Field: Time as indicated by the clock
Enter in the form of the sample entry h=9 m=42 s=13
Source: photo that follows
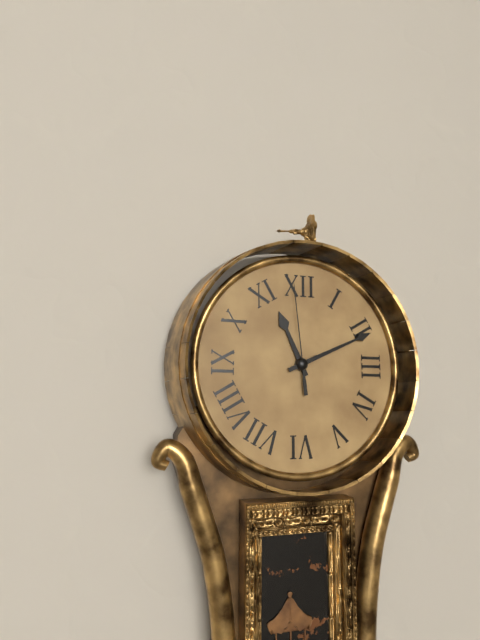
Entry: h=11 m=11 s=59
